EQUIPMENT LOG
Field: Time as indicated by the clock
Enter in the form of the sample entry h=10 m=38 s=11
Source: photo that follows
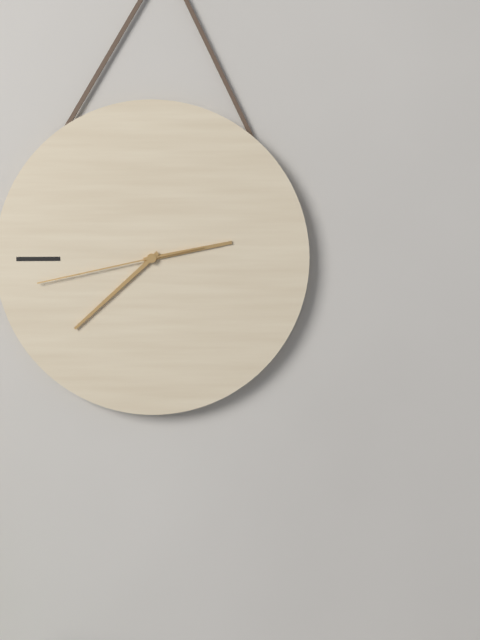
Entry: h=2 m=38 s=43
